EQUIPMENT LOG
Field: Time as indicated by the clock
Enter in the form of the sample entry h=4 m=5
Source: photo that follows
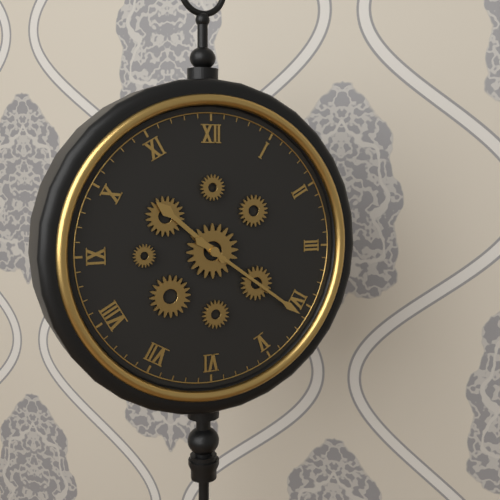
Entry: h=10 m=21
